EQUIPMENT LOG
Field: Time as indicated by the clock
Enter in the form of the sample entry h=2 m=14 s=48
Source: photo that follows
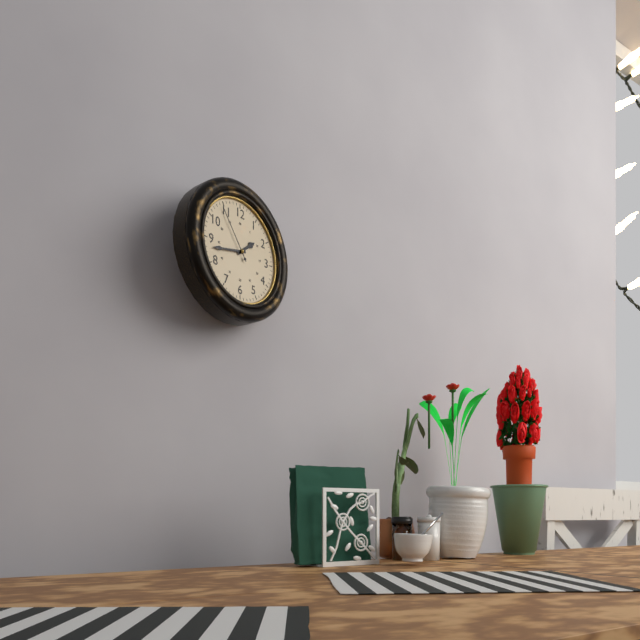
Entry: h=1 m=43 s=54
